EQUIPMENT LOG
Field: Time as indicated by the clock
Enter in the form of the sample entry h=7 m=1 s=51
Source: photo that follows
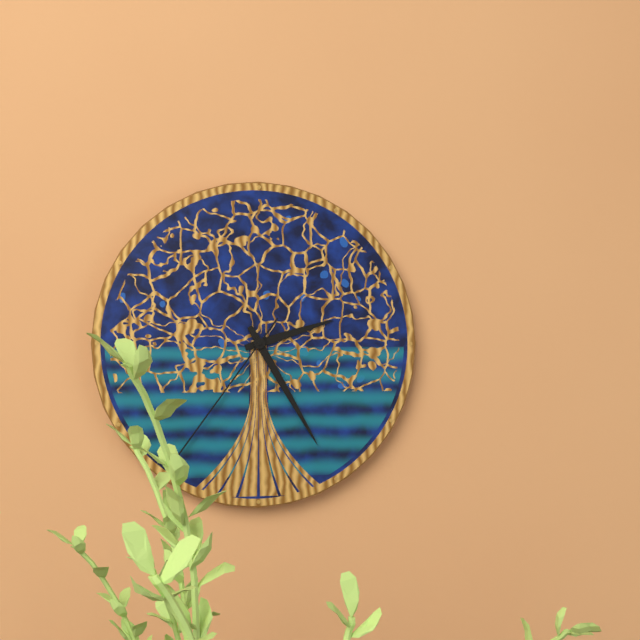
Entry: h=2 m=25 s=36
